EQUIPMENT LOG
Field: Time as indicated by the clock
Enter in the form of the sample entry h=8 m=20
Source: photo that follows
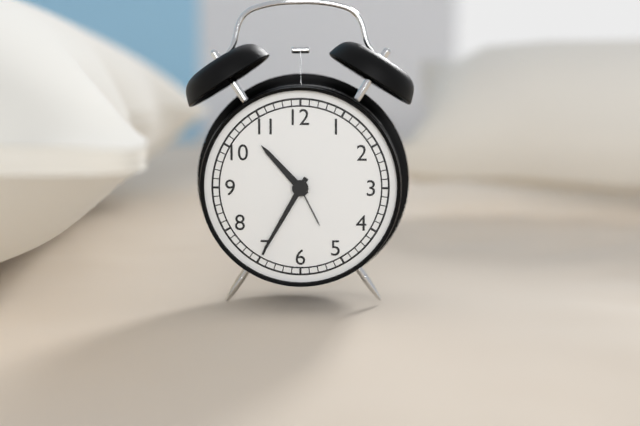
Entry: h=10 m=35
